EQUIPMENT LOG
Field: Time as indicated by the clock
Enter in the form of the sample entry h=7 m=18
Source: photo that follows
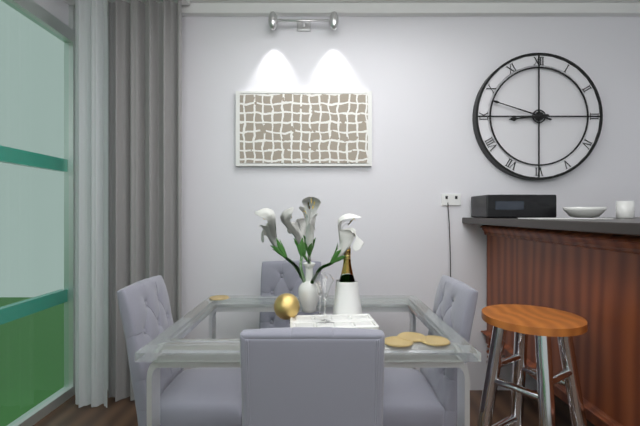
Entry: h=8 m=48
